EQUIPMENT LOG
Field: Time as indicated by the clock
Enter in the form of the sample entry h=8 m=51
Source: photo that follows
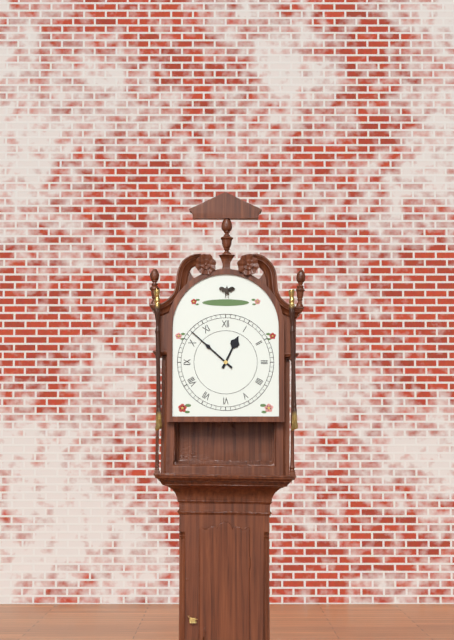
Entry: h=12 m=52
